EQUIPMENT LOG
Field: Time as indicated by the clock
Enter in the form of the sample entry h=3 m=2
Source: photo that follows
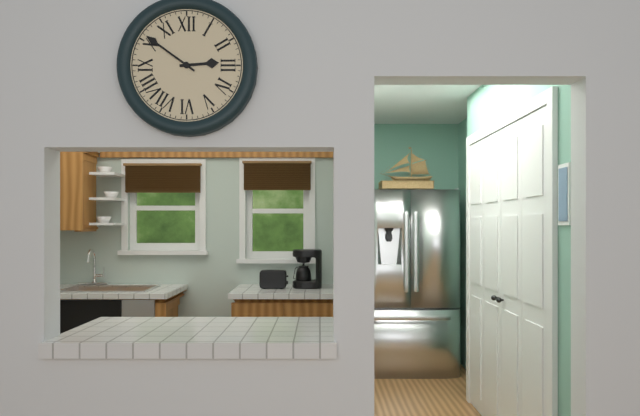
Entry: h=2 m=51
